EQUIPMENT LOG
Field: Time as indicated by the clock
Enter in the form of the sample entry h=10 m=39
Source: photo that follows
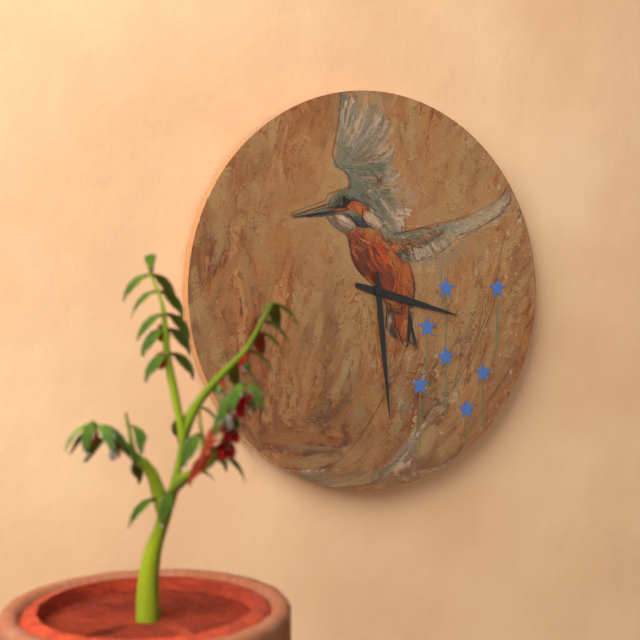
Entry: h=3 m=29
